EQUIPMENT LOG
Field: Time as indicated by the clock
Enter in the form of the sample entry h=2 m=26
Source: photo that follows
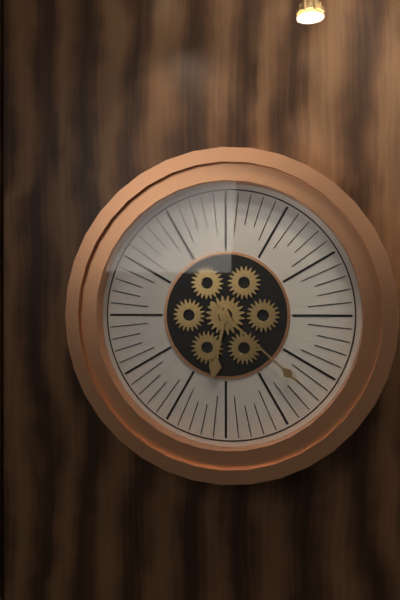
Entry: h=6 m=22
